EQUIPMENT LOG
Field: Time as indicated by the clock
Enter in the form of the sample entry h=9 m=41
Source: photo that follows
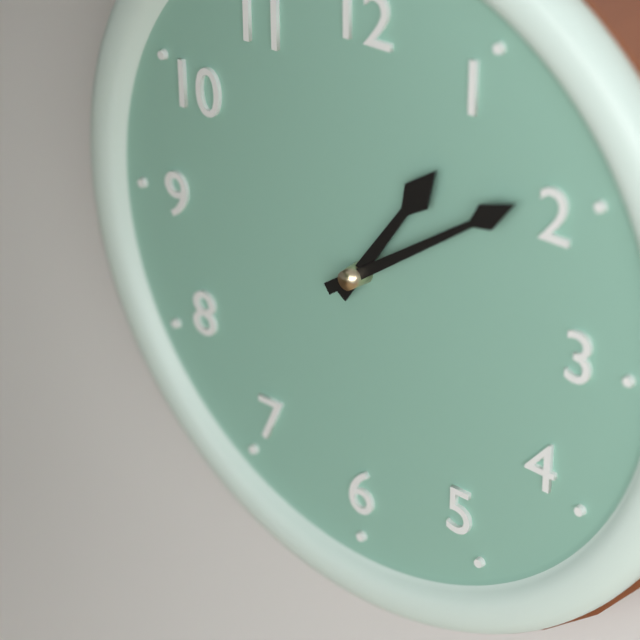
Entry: h=1 m=9
